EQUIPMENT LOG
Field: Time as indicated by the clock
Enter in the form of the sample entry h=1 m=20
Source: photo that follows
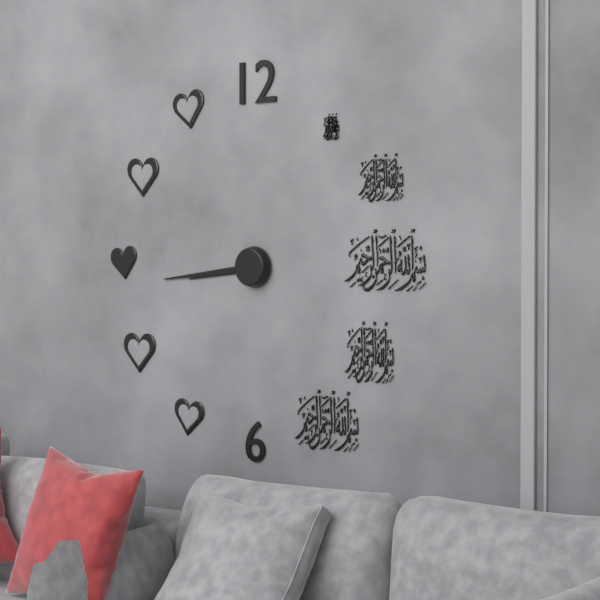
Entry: h=8 m=44
